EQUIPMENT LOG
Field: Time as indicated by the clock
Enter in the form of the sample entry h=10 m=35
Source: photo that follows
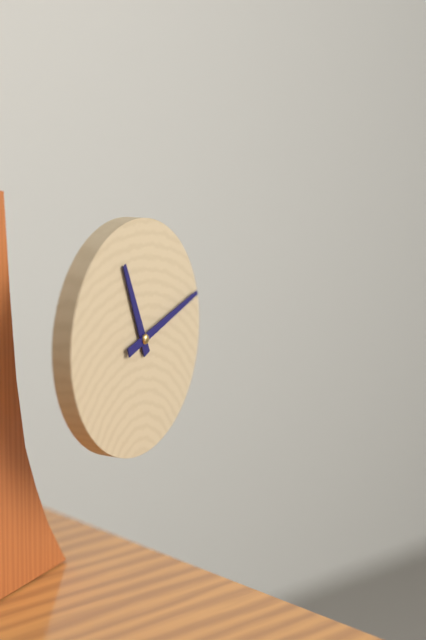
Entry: h=11 m=12
